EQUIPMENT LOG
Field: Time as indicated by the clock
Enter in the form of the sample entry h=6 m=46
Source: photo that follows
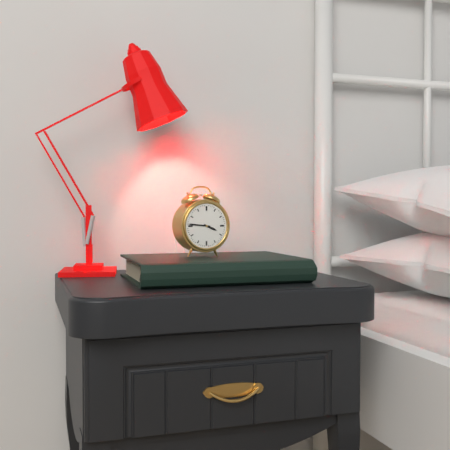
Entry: h=3 m=46
